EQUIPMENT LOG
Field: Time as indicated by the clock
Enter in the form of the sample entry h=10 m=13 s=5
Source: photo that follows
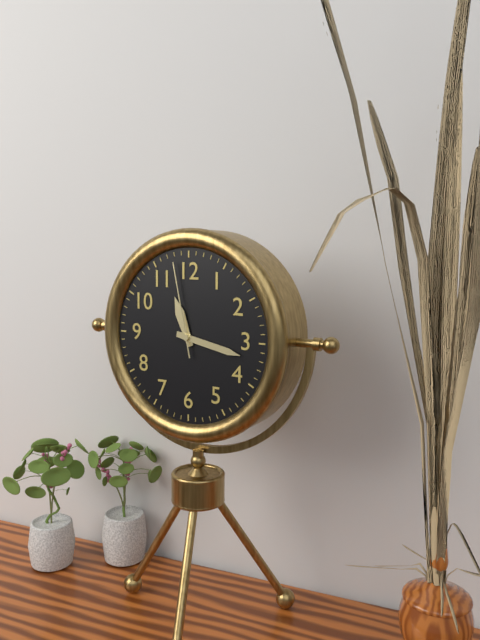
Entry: h=11 m=17 s=58
